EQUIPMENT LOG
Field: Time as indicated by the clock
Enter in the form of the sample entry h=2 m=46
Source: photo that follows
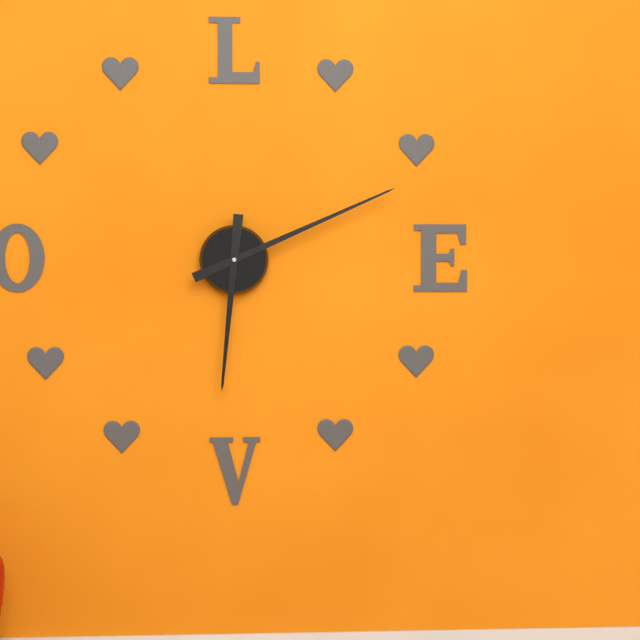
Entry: h=6 m=11
